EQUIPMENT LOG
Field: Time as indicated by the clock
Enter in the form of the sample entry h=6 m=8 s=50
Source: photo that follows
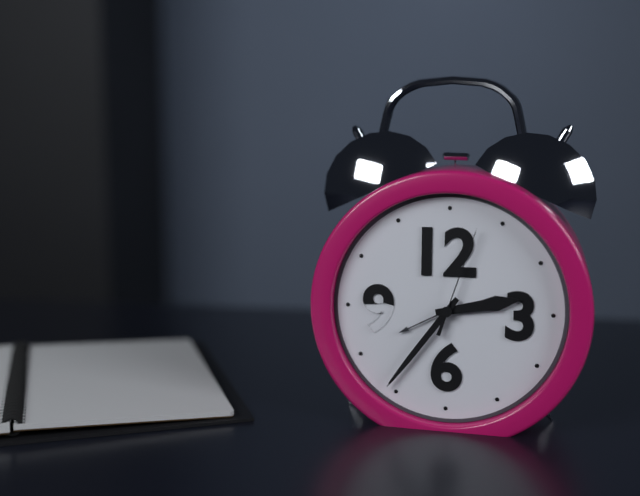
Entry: h=2 m=36 s=3
